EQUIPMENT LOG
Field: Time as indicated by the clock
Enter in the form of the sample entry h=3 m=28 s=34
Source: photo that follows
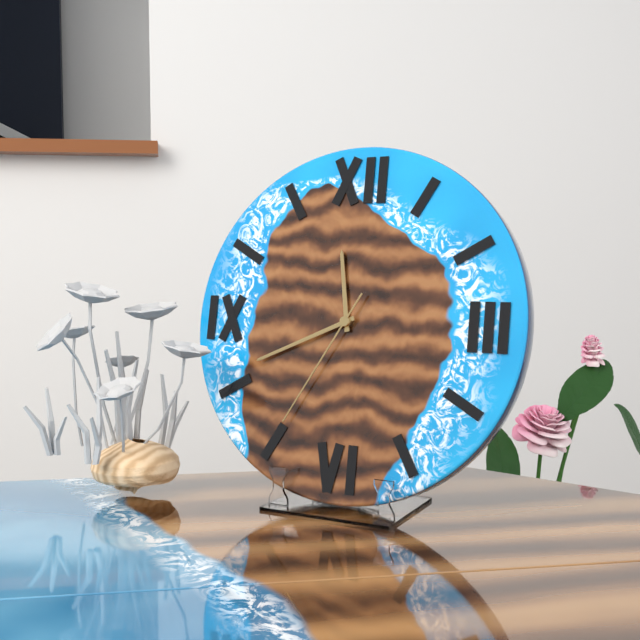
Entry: h=11 m=41 s=35
